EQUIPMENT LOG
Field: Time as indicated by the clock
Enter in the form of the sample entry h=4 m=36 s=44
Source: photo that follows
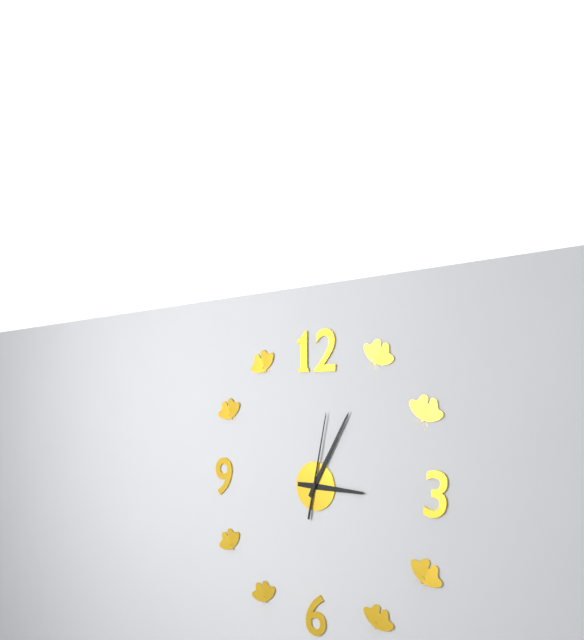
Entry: h=3 m=5 s=2
